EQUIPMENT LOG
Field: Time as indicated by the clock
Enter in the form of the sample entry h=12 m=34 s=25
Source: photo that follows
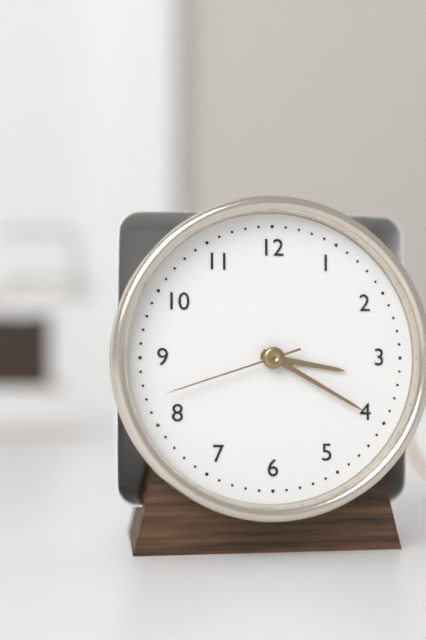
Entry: h=3 m=20 s=42
